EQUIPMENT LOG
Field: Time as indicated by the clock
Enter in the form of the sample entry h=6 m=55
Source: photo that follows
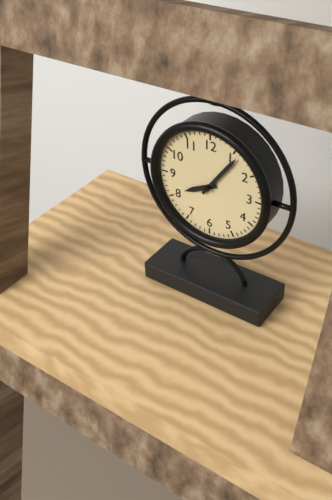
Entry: h=8 m=6
